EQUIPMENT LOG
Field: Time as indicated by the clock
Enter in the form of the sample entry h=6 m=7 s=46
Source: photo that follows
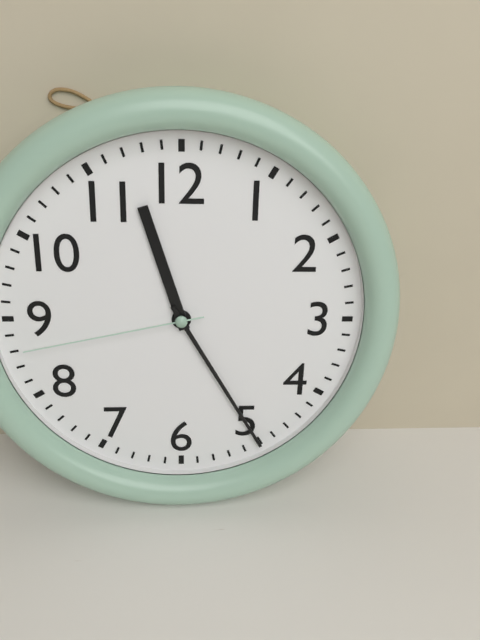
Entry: h=11 m=25 s=43
